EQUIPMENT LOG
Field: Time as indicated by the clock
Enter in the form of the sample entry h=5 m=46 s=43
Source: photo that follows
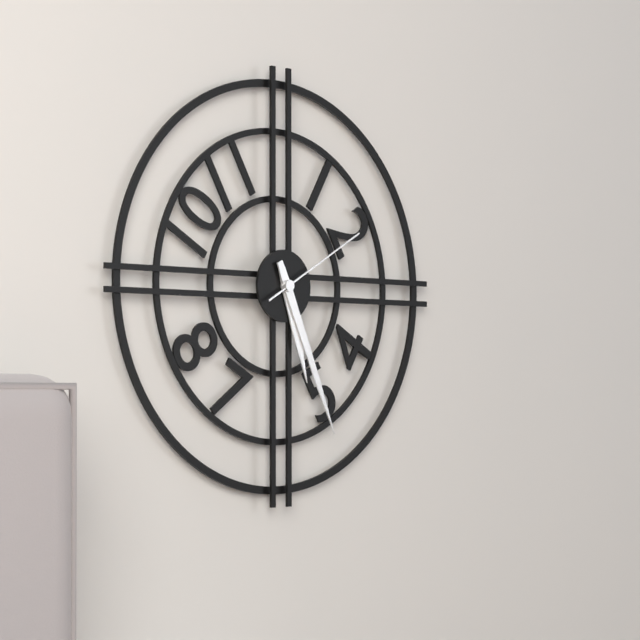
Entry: h=5 m=26 s=10
